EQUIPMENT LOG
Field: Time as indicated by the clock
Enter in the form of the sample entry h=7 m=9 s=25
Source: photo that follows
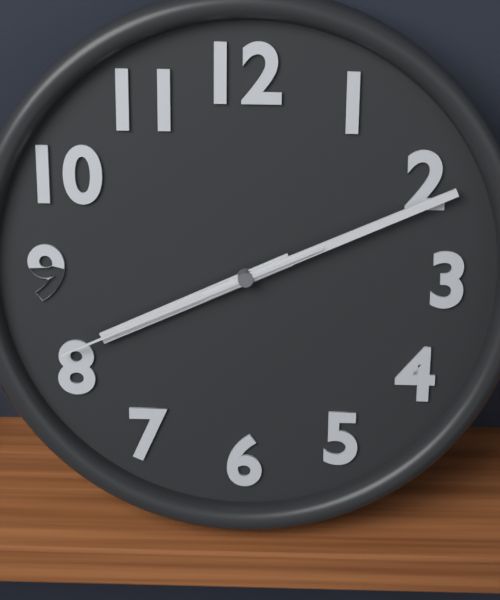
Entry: h=8 m=11 s=41
